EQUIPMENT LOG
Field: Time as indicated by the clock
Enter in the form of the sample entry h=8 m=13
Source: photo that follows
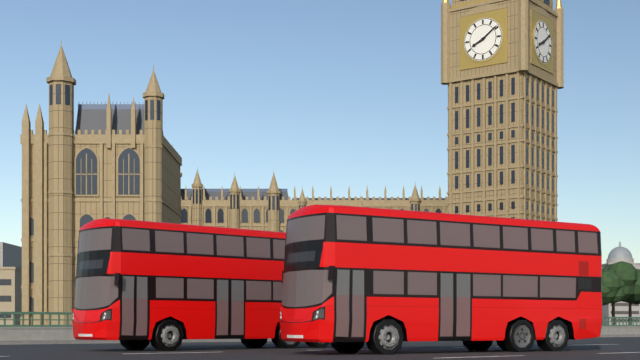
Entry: h=8 m=9
